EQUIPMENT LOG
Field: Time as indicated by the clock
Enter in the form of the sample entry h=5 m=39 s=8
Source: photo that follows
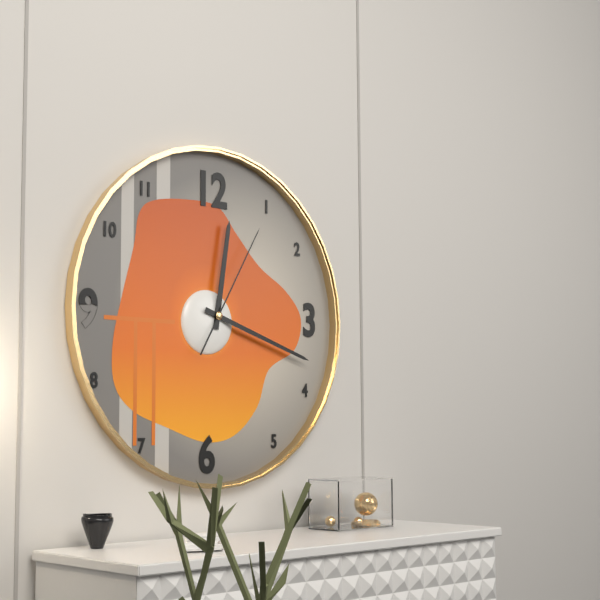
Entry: h=12 m=18 s=5
